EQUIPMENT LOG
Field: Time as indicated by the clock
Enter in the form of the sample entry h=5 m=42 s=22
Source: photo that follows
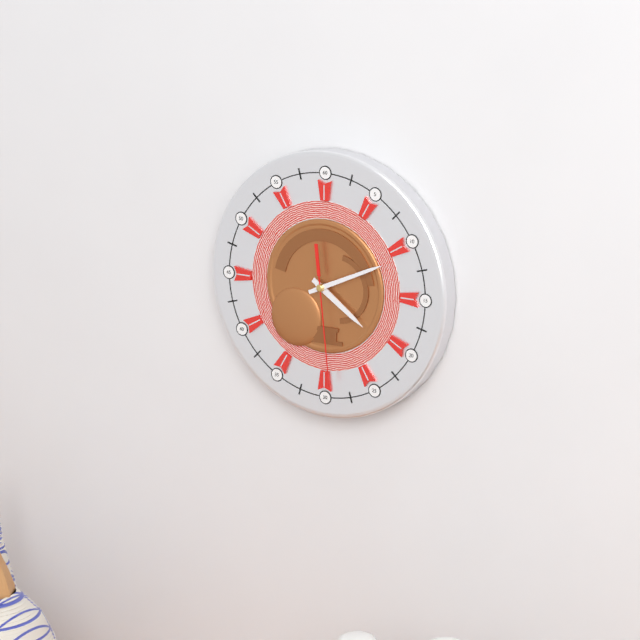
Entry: h=4 m=11 s=29
